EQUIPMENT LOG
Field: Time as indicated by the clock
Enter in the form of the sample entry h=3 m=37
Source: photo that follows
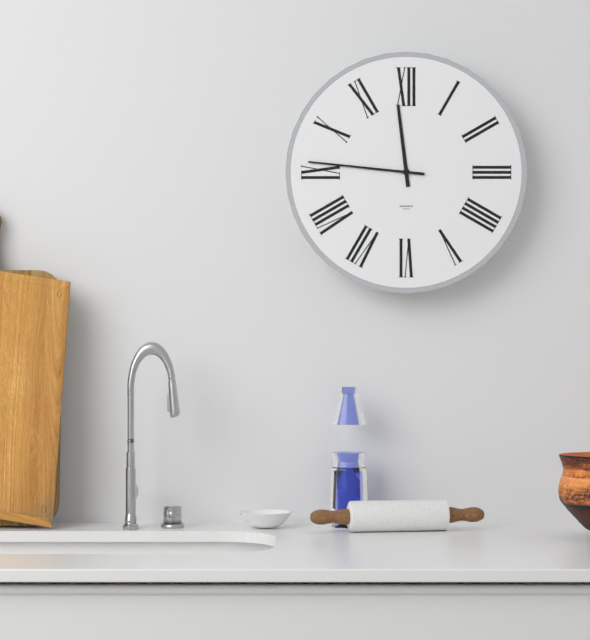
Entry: h=11 m=46
